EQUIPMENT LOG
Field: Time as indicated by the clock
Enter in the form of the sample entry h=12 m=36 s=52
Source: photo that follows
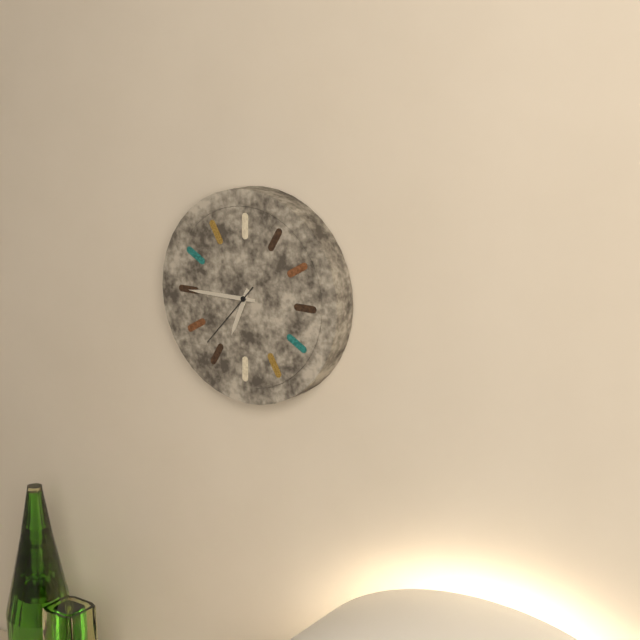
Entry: h=6 m=45 s=37
